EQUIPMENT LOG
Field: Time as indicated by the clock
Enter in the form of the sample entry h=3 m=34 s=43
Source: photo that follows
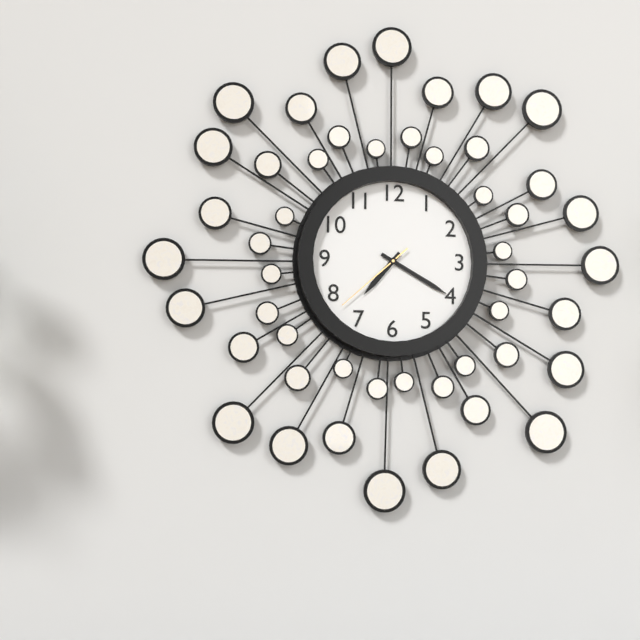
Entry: h=7 m=20 s=38
